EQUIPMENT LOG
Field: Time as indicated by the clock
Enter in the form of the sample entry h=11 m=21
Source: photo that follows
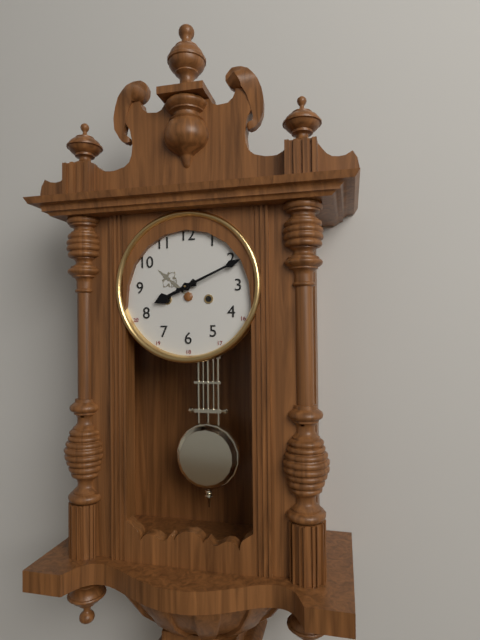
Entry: h=8 m=11
